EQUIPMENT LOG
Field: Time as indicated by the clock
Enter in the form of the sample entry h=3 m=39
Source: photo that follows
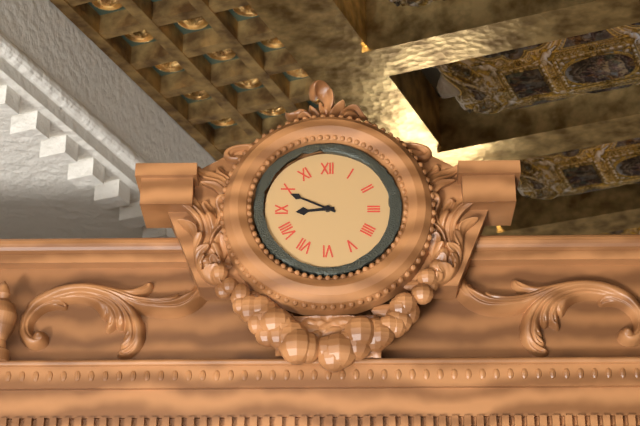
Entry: h=8 m=49
